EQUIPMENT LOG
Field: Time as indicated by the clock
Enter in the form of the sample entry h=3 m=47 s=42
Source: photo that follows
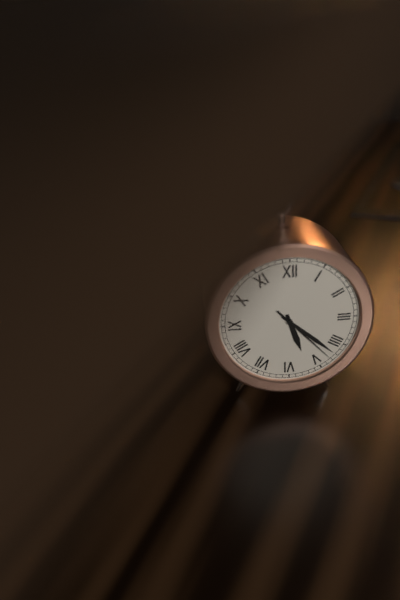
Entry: h=5 m=22 s=23
